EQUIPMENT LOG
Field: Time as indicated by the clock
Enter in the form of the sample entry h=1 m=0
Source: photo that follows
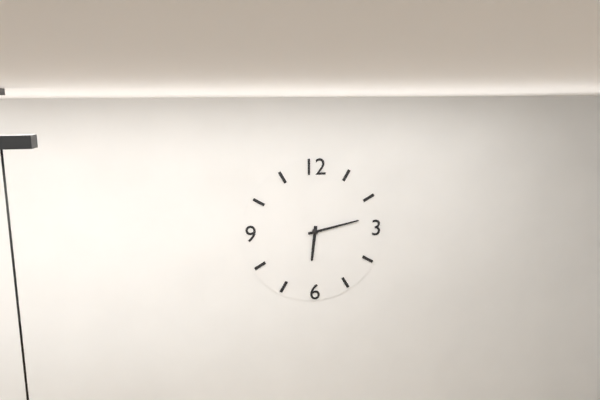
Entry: h=6 m=13
